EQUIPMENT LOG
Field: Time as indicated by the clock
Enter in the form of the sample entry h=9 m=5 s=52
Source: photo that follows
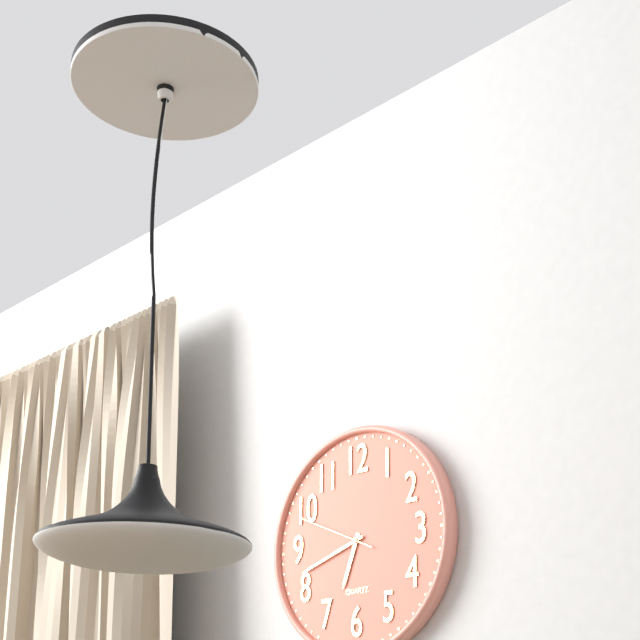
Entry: h=6 m=42 s=49
